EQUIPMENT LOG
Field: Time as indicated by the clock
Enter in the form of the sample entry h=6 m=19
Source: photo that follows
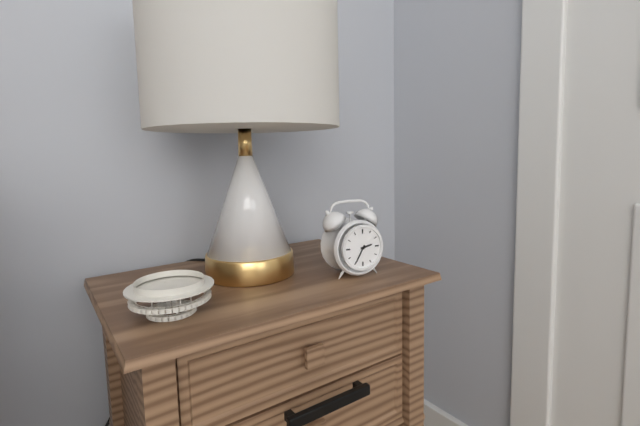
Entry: h=2 m=35
